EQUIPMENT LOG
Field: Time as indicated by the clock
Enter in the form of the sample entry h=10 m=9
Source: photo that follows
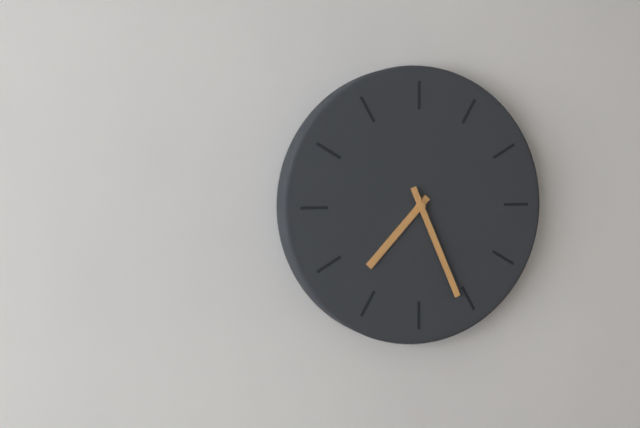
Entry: h=7 m=26
